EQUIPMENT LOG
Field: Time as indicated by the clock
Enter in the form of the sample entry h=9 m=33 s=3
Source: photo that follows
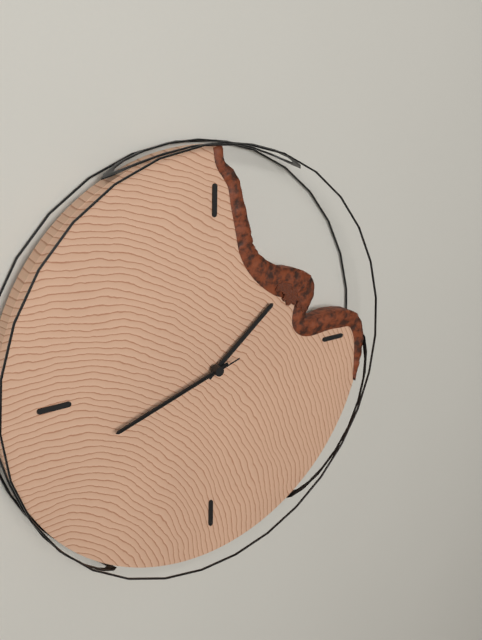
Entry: h=1 m=42 s=42
